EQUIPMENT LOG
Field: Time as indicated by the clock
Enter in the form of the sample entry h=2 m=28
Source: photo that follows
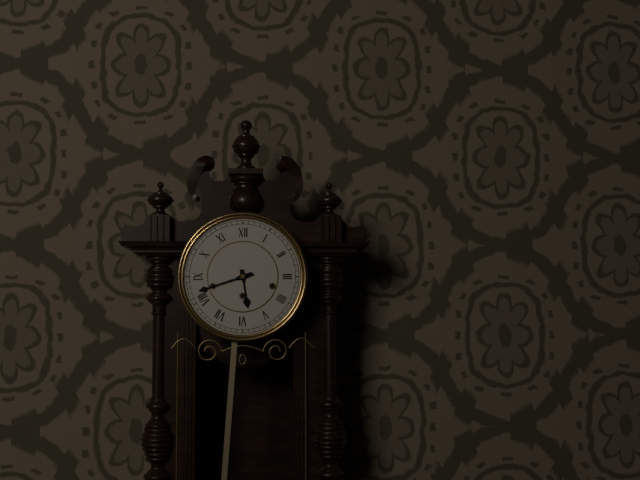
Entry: h=5 m=42
